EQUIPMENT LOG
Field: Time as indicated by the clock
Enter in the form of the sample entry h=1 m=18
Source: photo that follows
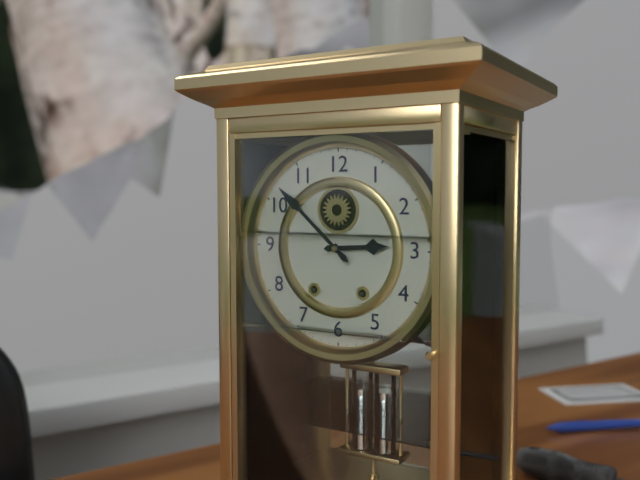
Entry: h=2 m=52
